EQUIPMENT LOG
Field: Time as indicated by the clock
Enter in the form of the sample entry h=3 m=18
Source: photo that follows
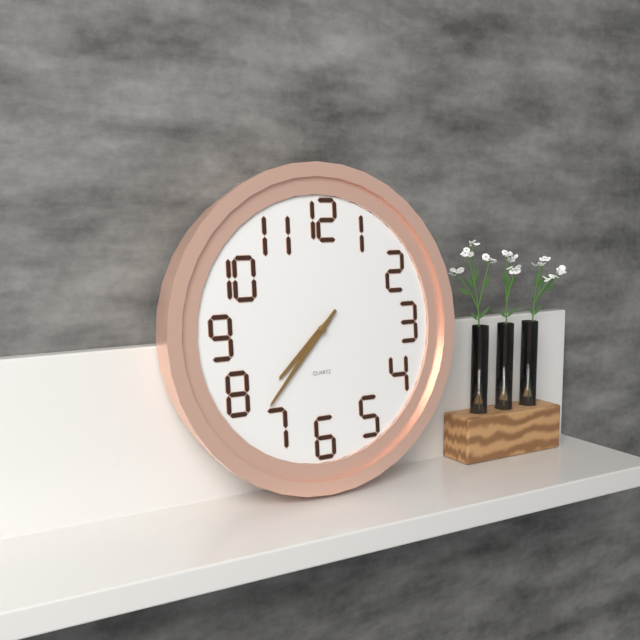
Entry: h=7 m=37
